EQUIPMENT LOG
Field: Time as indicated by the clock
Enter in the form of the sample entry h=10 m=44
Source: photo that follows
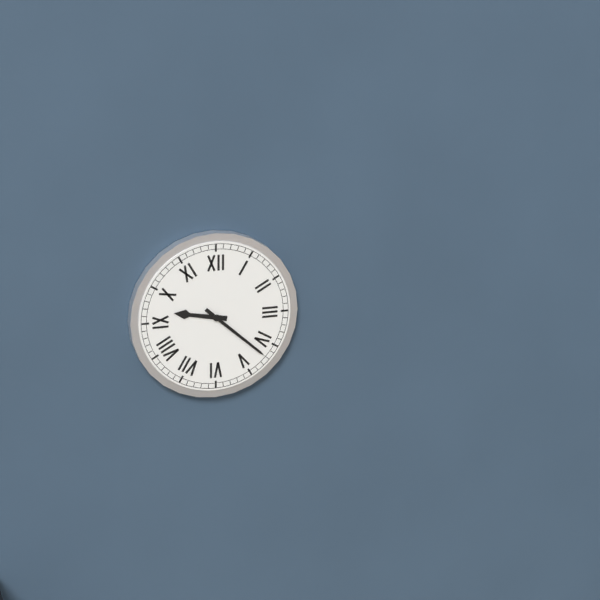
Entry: h=9 m=22
